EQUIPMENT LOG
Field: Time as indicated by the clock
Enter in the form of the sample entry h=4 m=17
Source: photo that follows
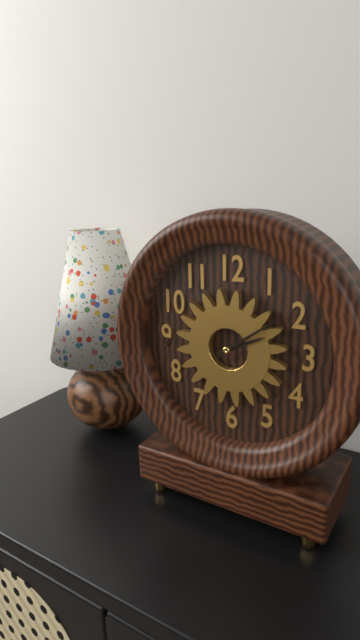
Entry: h=2 m=9
